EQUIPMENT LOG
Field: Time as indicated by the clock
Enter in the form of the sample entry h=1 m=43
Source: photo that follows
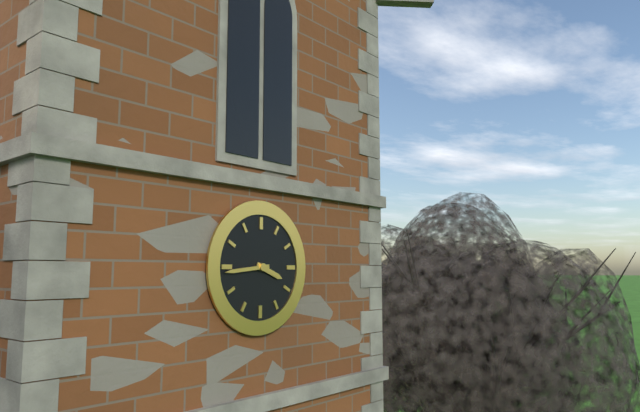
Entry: h=3 m=44
